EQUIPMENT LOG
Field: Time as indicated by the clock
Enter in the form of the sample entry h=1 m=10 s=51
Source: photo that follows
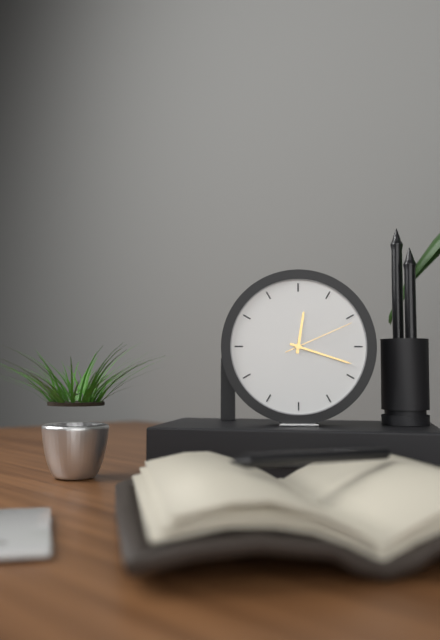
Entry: h=12 m=18 s=11
